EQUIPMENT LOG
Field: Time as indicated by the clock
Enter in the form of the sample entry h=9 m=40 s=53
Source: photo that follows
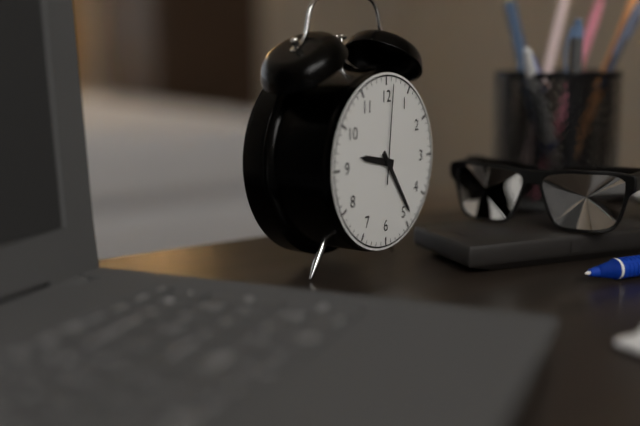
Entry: h=9 m=24 s=1
